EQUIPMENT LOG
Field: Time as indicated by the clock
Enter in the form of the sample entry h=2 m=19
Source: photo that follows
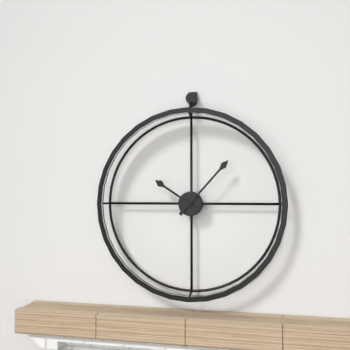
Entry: h=10 m=7
